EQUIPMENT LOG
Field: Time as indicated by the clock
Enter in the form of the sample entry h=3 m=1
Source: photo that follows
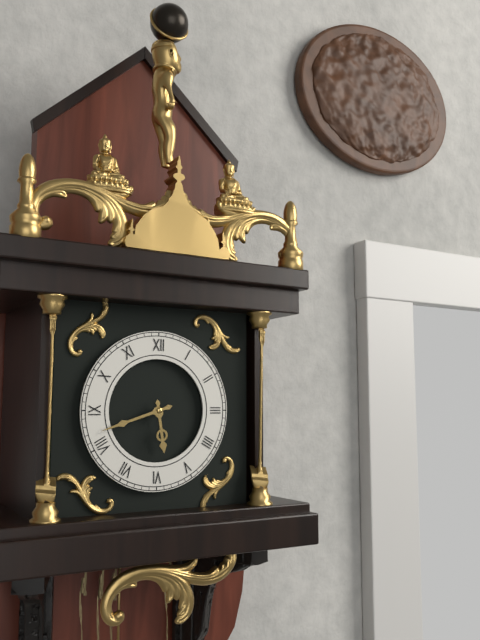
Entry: h=5 m=42
